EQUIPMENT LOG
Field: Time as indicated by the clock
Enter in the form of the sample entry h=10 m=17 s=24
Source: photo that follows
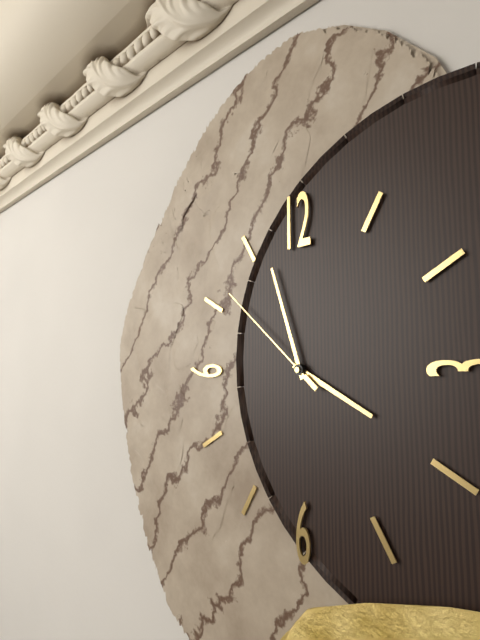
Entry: h=3 m=57 s=52
